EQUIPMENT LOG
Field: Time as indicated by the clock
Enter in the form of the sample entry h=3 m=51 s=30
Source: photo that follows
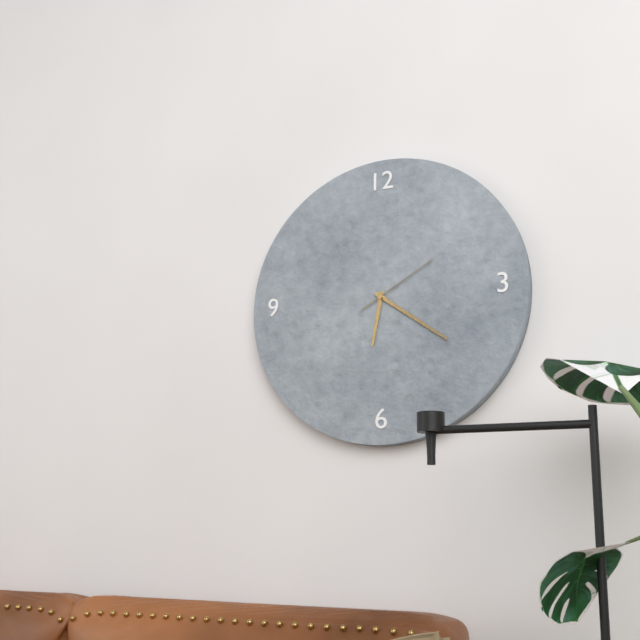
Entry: h=6 m=21 s=10
